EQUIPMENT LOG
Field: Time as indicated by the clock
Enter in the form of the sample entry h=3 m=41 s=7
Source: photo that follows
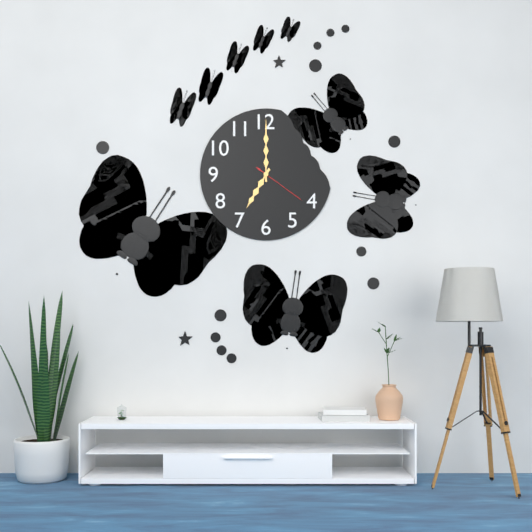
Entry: h=7 m=0 s=21
